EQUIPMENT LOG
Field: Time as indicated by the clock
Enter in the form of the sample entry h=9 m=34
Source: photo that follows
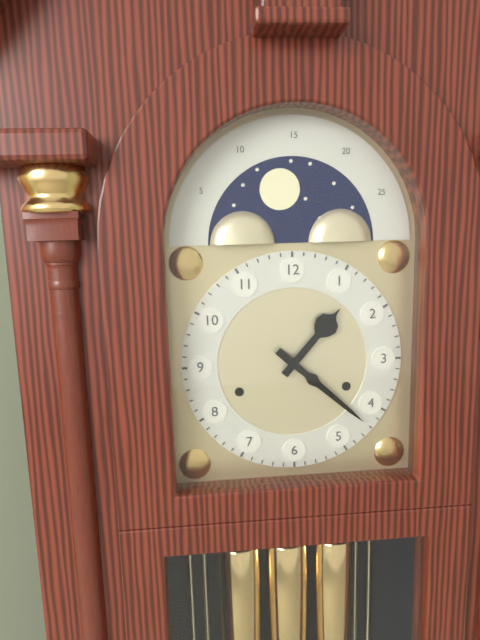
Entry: h=1 m=22
